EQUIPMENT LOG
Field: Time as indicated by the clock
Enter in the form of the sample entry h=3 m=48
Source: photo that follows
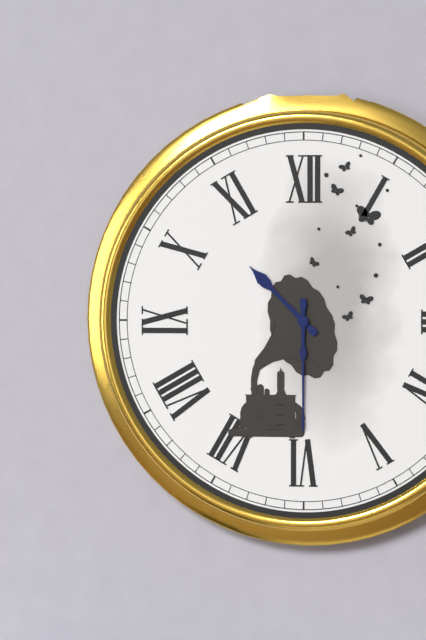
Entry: h=10 m=30
